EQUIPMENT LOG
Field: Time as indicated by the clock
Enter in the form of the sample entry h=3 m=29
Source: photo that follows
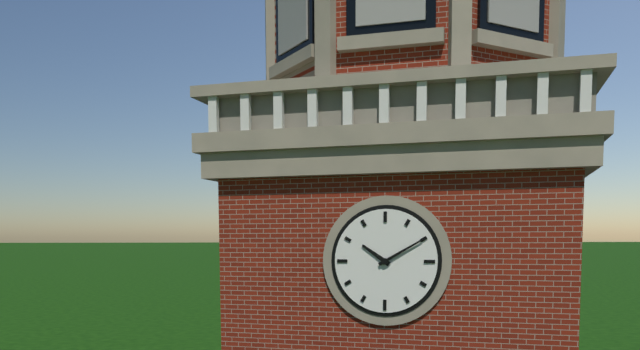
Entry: h=10 m=10
